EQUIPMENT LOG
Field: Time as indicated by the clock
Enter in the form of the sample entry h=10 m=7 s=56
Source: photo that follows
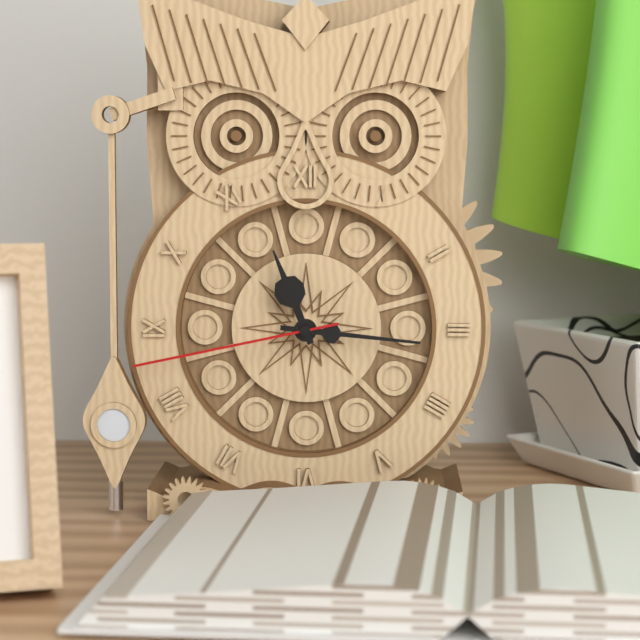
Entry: h=11 m=16 s=43
